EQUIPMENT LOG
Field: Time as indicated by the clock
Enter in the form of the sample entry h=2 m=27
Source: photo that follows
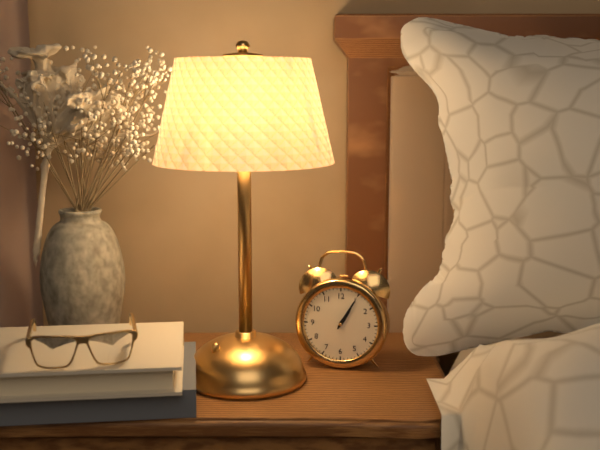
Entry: h=1 m=5
